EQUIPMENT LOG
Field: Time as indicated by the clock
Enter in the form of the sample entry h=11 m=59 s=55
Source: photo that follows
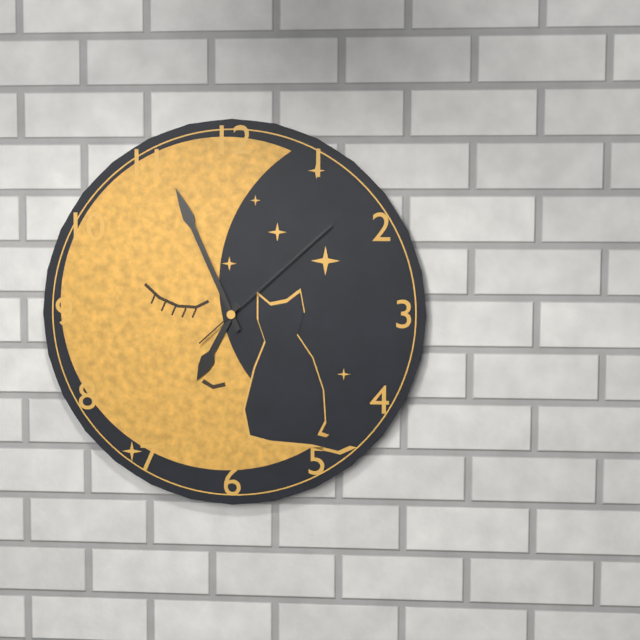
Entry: h=6 m=56 s=8
